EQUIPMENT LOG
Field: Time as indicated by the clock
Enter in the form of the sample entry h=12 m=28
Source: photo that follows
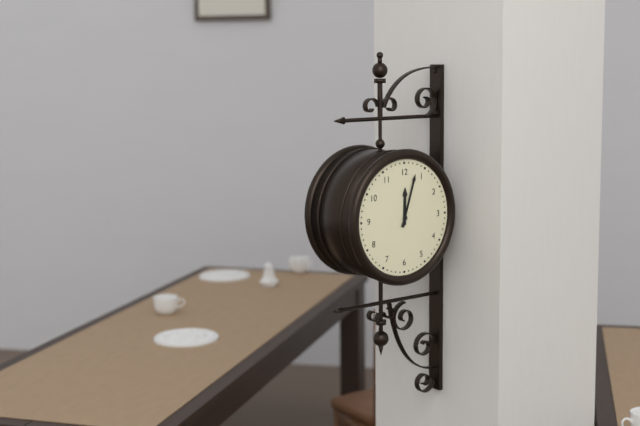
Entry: h=12 m=3
